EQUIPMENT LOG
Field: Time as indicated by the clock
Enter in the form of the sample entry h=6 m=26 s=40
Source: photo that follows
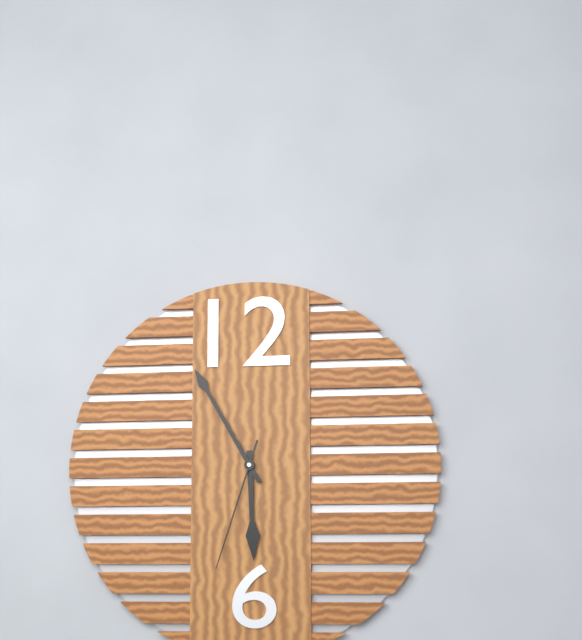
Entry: h=5 m=55 s=33
